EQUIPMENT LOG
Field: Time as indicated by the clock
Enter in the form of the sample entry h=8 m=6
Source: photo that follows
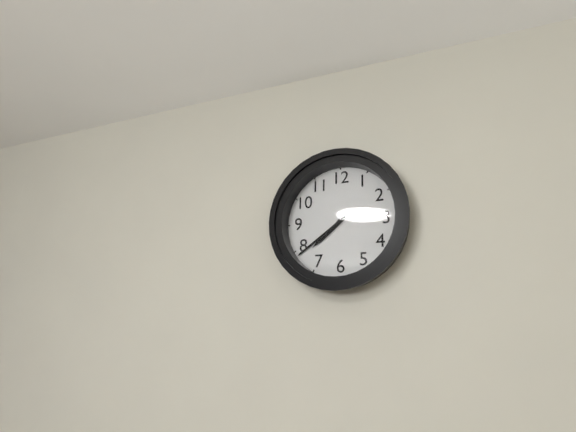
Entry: h=7 m=39
